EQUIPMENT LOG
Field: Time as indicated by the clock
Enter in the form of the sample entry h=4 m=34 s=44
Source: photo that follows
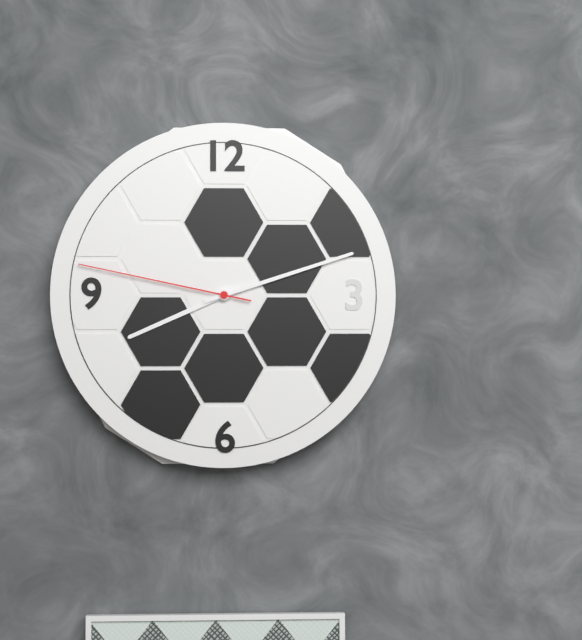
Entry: h=8 m=12 s=47
